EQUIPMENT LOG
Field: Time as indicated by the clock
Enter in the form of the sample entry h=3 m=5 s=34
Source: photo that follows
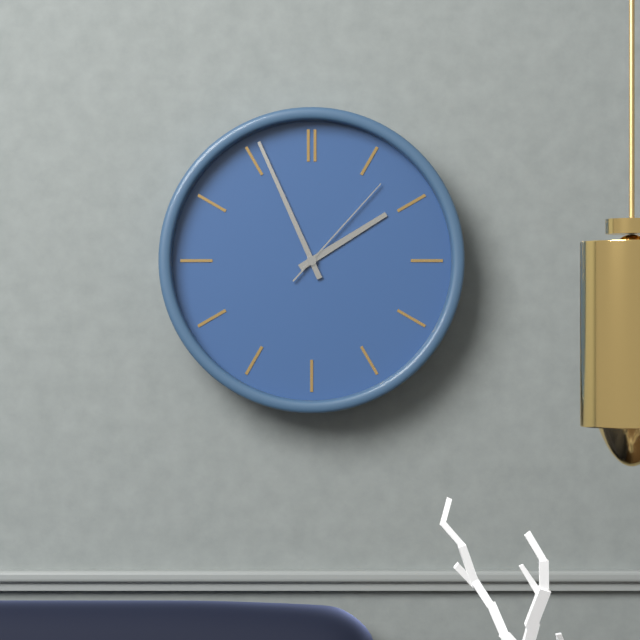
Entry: h=1 m=56 s=7
